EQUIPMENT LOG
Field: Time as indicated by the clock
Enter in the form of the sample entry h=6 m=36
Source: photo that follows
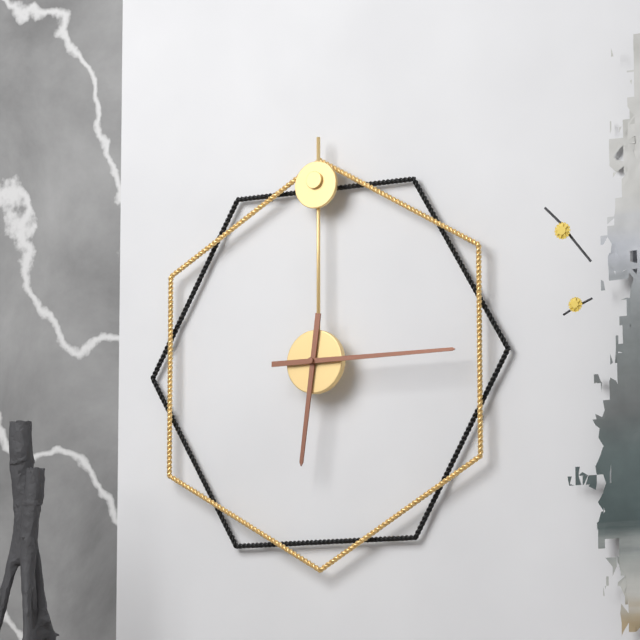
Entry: h=6 m=15
